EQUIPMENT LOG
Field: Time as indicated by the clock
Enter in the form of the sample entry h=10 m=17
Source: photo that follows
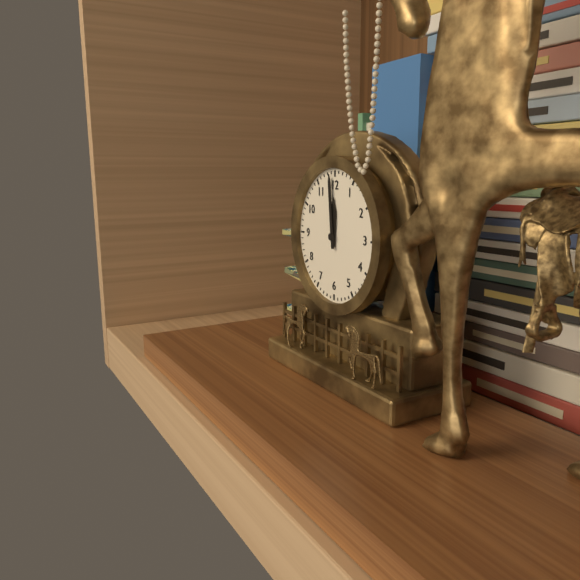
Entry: h=11 m=59
